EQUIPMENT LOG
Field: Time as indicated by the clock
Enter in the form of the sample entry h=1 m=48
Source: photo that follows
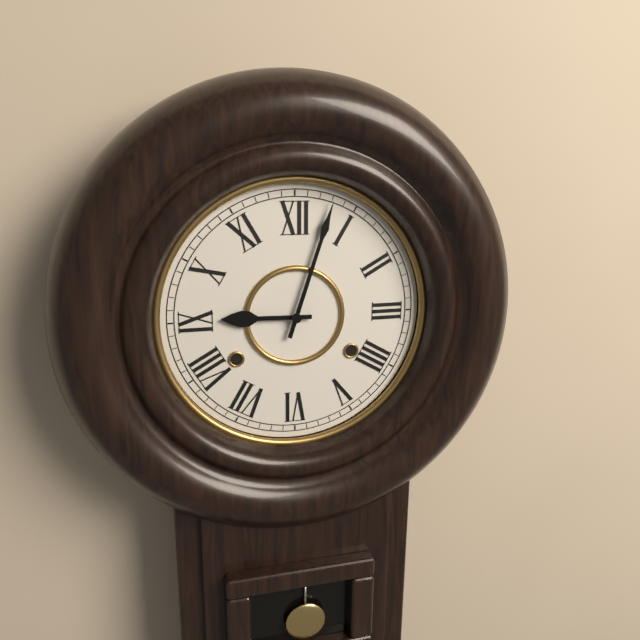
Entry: h=9 m=3
